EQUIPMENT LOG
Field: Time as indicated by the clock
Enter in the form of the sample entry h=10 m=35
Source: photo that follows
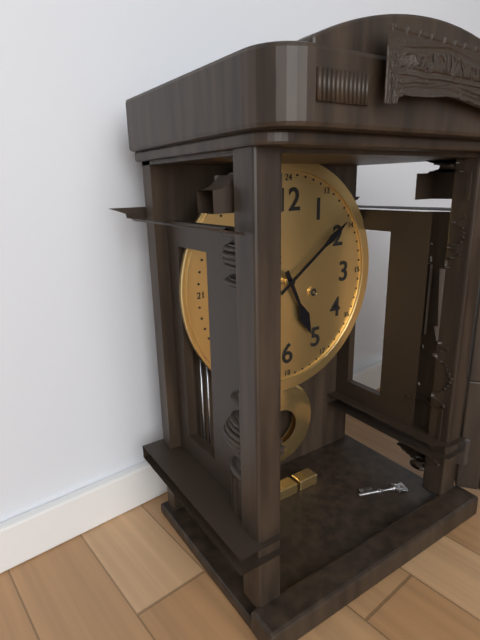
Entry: h=5 m=9
